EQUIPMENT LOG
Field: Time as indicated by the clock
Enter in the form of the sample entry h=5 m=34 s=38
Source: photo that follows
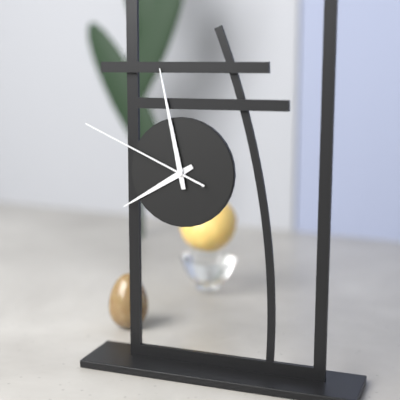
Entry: h=7 m=58 s=49
